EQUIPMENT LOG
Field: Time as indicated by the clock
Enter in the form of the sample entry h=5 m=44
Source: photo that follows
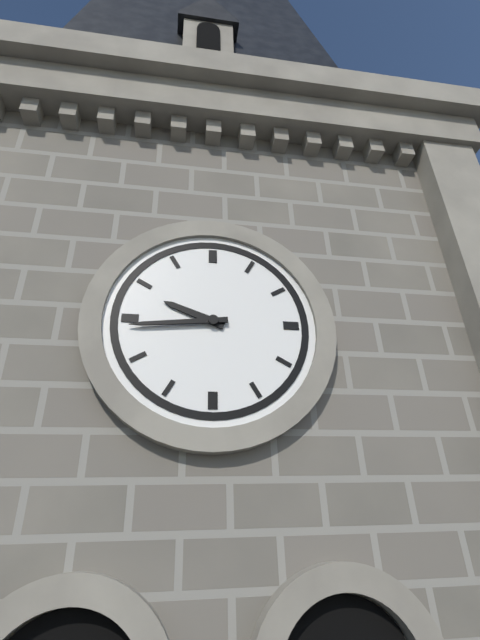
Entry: h=9 m=44
